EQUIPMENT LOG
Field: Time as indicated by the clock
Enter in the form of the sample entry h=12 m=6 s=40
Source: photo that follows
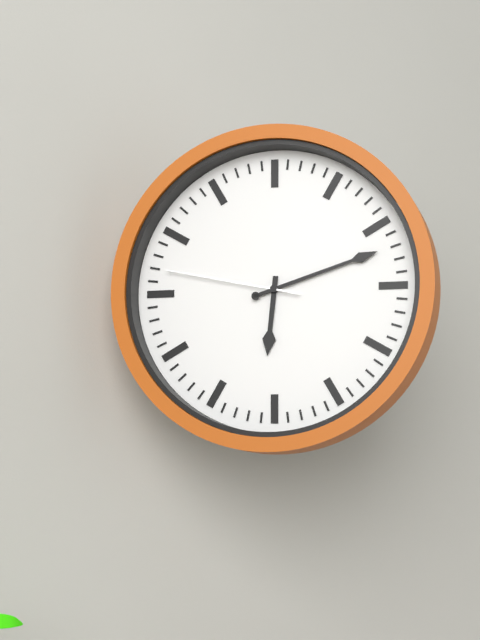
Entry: h=6 m=12 s=47
